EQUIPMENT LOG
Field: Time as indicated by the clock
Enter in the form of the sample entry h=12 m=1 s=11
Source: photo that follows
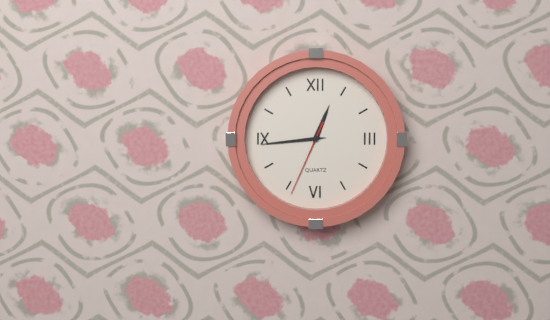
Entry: h=12 m=44 s=34
